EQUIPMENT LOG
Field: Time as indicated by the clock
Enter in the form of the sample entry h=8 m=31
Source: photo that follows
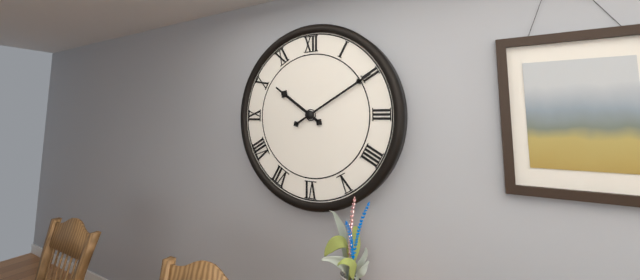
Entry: h=10 m=10
